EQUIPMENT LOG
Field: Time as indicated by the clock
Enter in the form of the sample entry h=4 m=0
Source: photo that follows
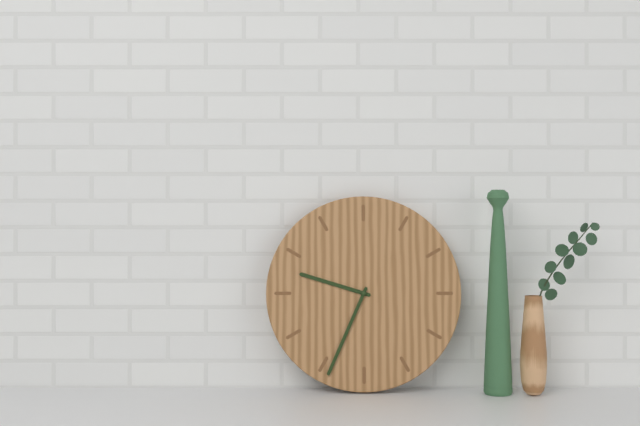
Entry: h=9 m=34
